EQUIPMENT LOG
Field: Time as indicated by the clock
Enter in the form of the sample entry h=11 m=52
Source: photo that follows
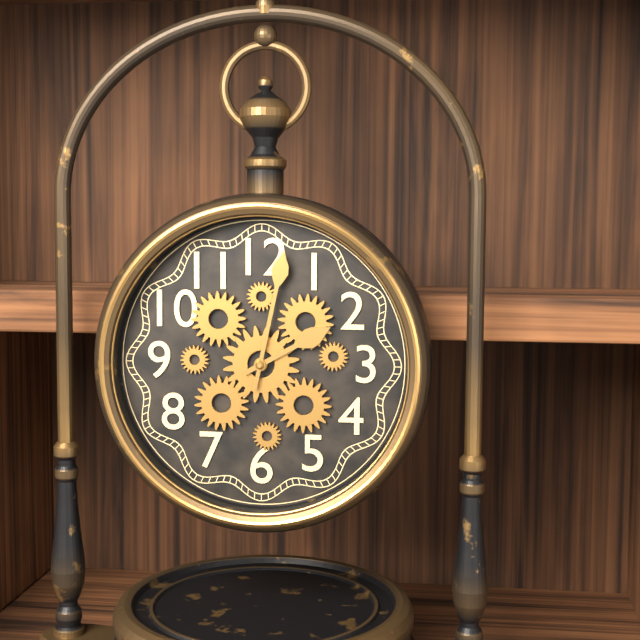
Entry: h=2 m=2
